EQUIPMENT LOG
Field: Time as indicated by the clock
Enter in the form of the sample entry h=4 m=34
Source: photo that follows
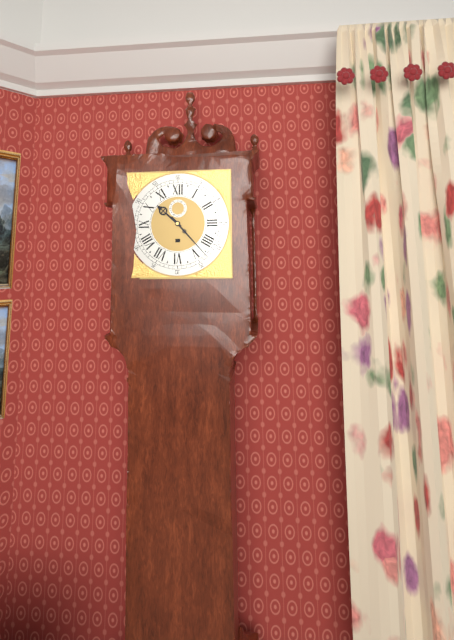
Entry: h=10 m=23
